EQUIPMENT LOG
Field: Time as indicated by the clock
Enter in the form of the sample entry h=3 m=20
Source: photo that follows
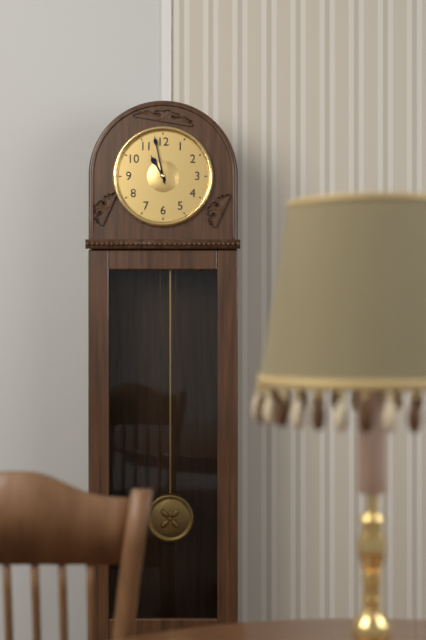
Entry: h=10 m=58
